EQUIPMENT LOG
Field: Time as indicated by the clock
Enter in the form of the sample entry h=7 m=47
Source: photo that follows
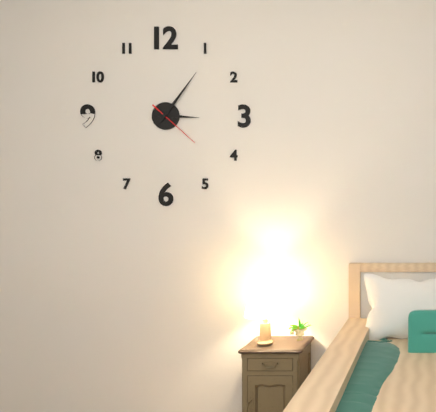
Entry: h=3 m=6
